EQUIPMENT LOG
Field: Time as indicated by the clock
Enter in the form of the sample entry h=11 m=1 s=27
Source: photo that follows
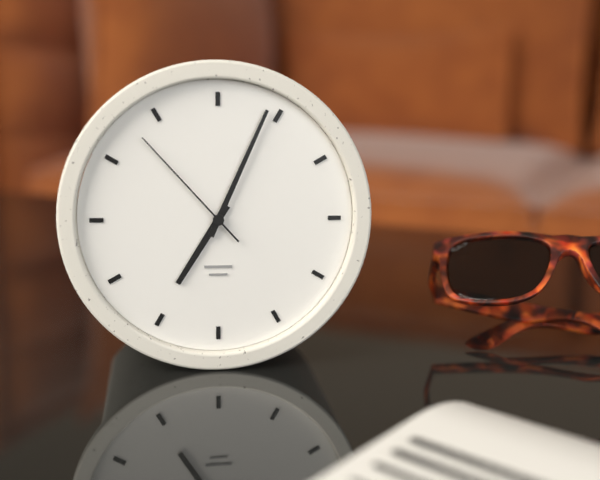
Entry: h=7 m=4 s=53
